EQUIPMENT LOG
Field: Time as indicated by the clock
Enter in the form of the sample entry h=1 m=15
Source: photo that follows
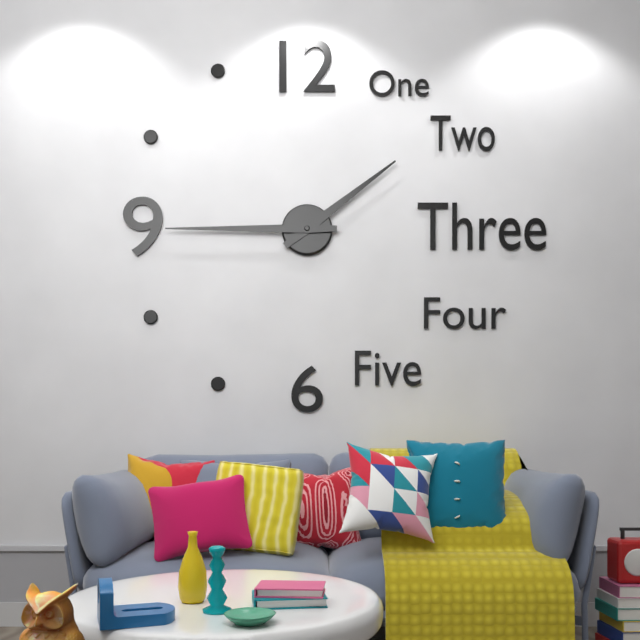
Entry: h=1 m=45
